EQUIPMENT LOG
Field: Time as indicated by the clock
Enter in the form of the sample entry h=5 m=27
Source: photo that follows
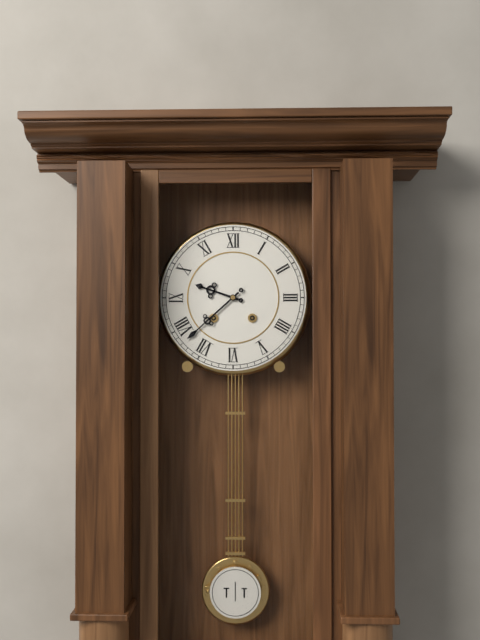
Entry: h=9 m=38
